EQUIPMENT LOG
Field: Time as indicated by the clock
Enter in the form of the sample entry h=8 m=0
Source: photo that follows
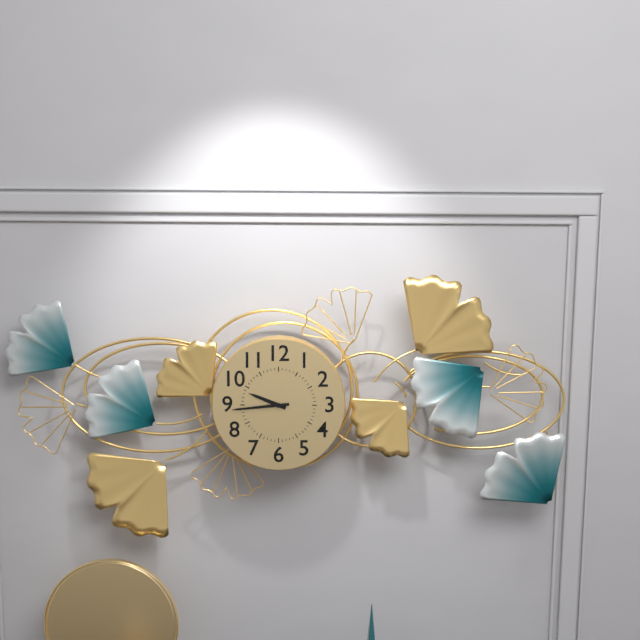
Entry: h=9 m=44
